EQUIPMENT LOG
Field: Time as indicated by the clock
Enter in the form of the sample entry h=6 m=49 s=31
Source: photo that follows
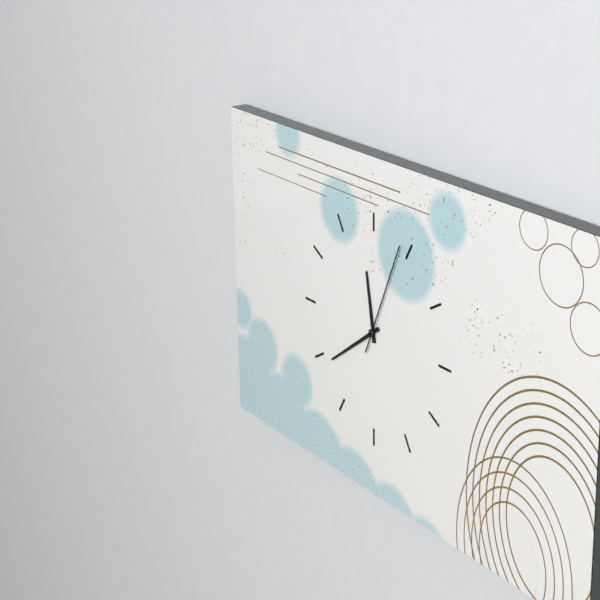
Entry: h=11 m=39 s=4
